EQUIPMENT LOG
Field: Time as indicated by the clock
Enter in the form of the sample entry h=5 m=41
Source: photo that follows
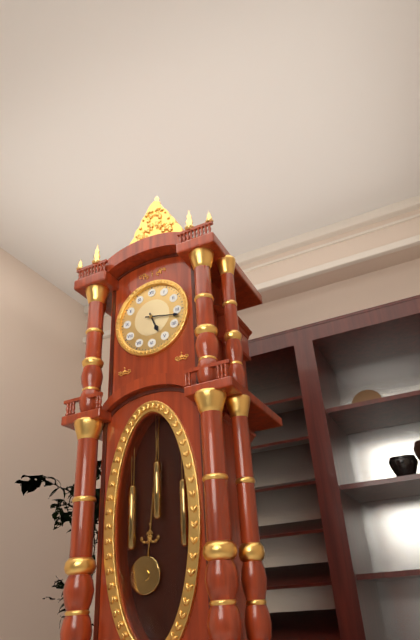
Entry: h=5 m=17
